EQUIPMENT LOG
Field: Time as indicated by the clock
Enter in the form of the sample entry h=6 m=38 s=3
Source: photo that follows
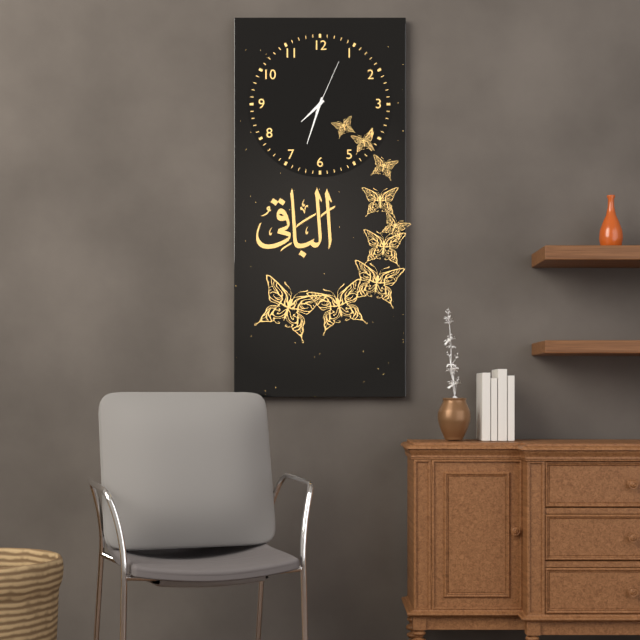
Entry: h=7 m=33 s=4
